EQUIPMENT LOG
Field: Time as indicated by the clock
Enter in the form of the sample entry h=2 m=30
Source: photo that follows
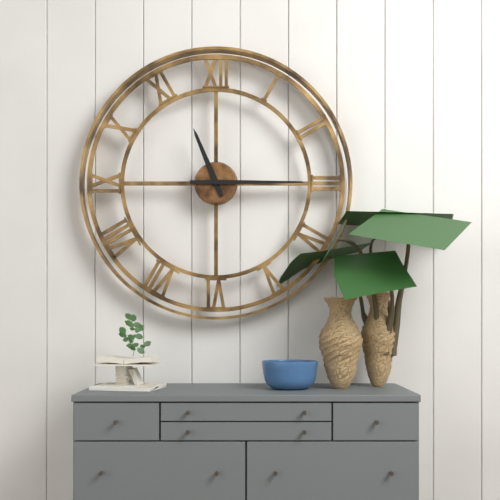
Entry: h=11 m=15
